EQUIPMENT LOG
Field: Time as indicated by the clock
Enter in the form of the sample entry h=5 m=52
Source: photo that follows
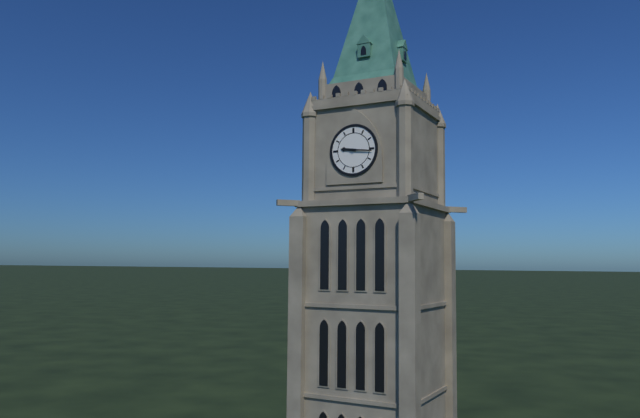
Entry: h=9 m=16
